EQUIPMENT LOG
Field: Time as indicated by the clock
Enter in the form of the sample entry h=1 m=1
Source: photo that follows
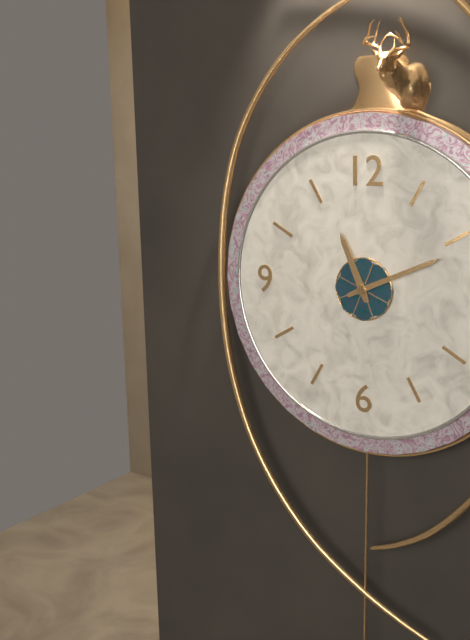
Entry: h=11 m=11
